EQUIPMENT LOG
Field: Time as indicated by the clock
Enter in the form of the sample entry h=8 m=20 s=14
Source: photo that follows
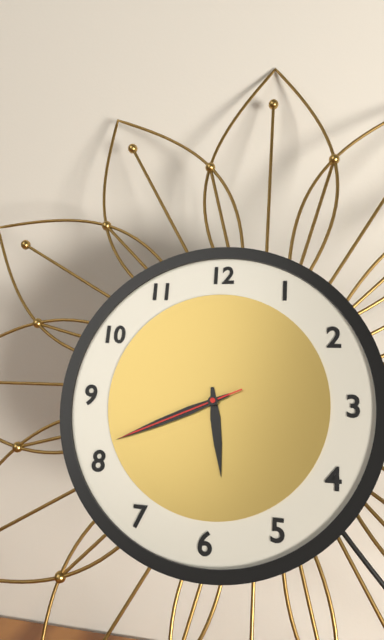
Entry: h=5 m=41 s=41
